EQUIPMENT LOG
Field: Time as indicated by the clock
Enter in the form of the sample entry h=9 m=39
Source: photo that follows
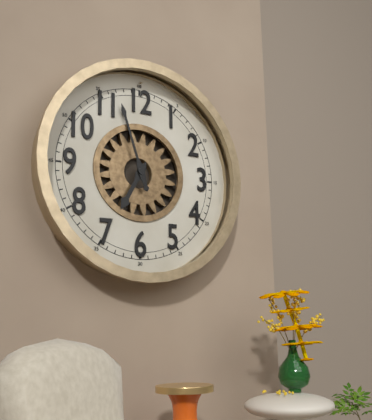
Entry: h=6 m=57
